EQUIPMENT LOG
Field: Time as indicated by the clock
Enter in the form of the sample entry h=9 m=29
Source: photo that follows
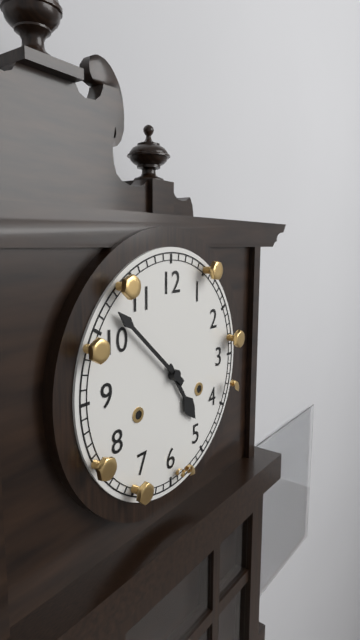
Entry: h=4 m=52
